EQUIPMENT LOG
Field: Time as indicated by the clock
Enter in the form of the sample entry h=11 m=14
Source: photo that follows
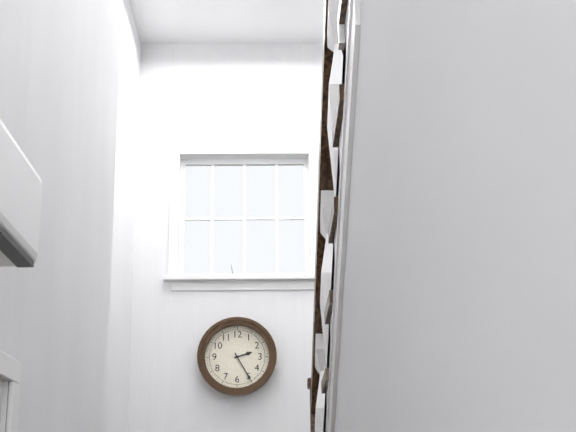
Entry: h=2 m=25
